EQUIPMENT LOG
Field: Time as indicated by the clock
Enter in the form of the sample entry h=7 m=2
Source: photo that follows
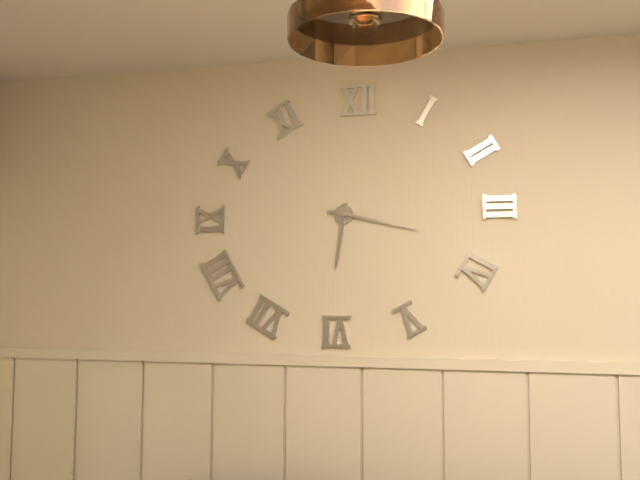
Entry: h=6 m=17
